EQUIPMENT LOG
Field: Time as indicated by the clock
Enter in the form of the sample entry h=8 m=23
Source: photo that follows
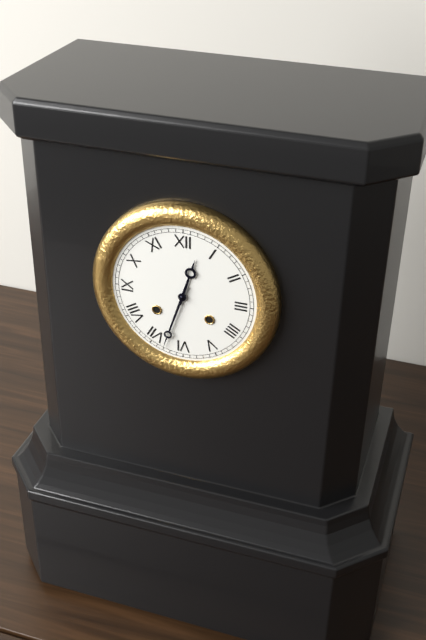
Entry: h=12 m=33
